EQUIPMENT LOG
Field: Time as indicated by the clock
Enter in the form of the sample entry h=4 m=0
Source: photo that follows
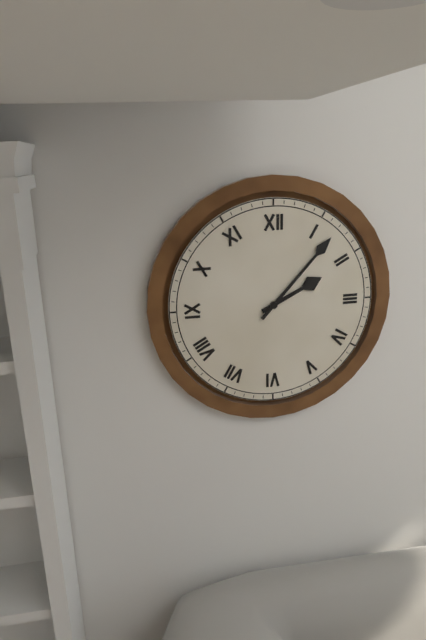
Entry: h=2 m=7
